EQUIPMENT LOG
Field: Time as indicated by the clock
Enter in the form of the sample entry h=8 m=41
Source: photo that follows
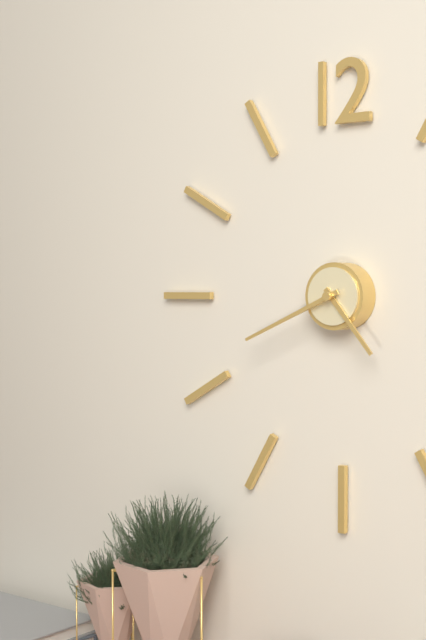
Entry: h=4 m=41
